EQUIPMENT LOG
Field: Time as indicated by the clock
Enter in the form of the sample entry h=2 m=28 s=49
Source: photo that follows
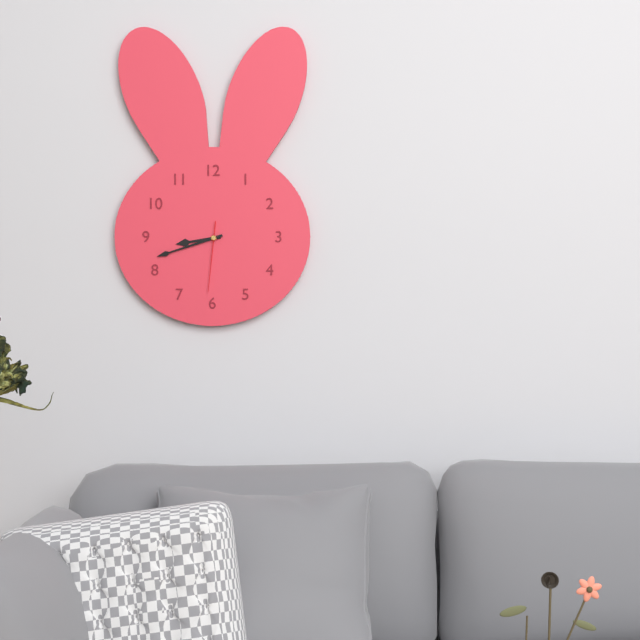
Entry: h=8 m=42 s=31
